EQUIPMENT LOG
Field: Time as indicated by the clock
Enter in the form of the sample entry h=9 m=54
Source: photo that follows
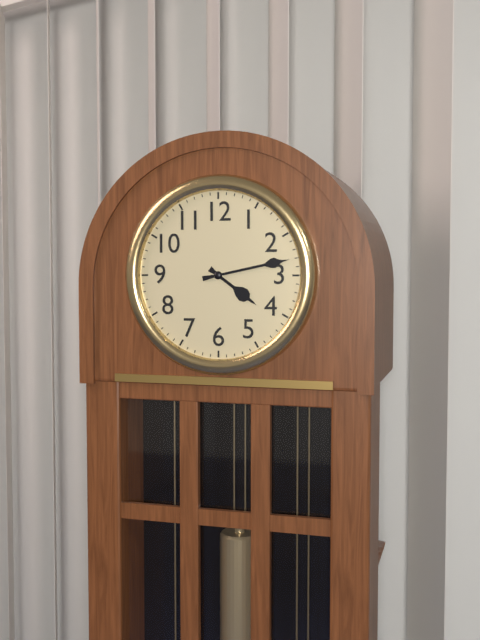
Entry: h=4 m=13
